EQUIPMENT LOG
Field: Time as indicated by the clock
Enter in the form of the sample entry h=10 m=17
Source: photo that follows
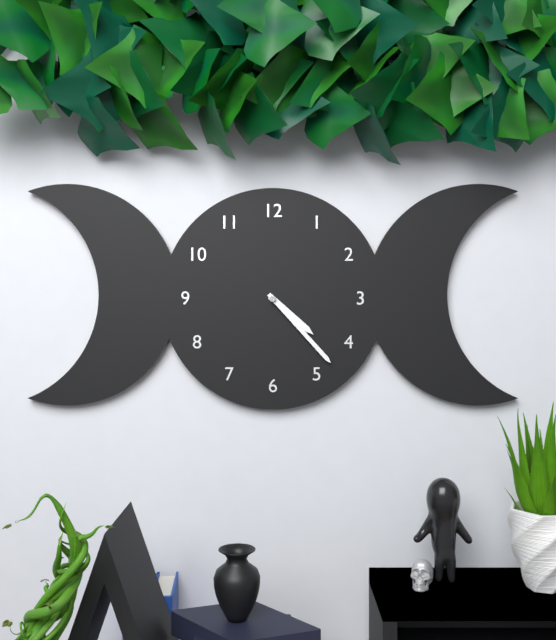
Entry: h=4 m=23
